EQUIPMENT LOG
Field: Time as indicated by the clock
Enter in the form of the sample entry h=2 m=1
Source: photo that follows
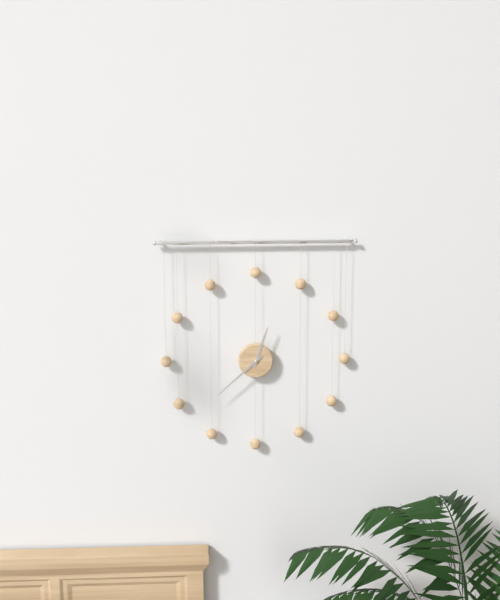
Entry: h=12 m=38
